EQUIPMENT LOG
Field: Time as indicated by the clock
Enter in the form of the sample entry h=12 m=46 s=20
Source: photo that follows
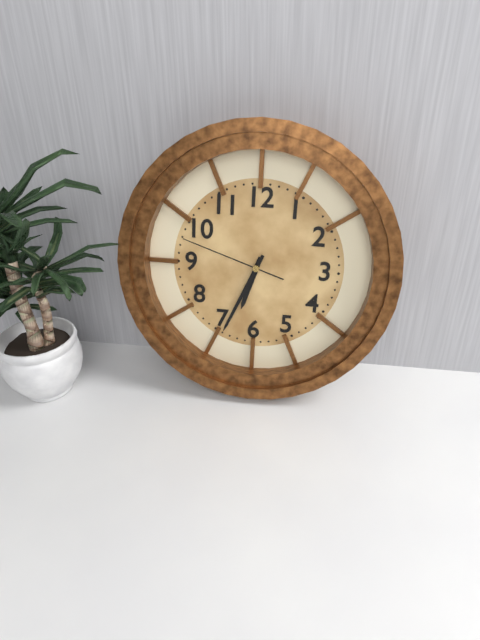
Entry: h=6 m=34 s=48
